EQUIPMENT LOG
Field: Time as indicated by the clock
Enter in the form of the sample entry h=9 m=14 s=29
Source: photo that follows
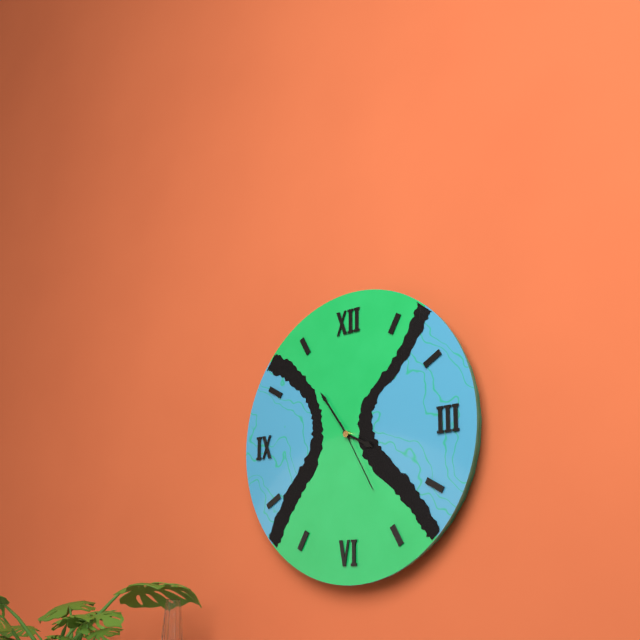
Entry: h=3 m=54 s=25
